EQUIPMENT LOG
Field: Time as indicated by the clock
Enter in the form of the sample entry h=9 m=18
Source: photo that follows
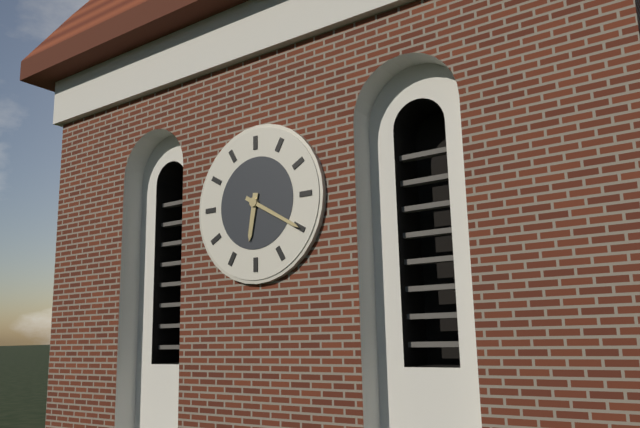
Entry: h=6 m=20
